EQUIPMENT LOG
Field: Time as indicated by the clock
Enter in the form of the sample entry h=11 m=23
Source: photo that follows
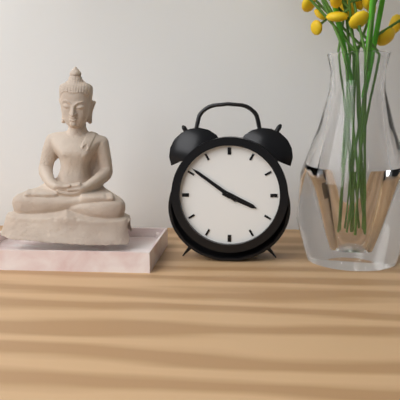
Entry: h=3 m=51
